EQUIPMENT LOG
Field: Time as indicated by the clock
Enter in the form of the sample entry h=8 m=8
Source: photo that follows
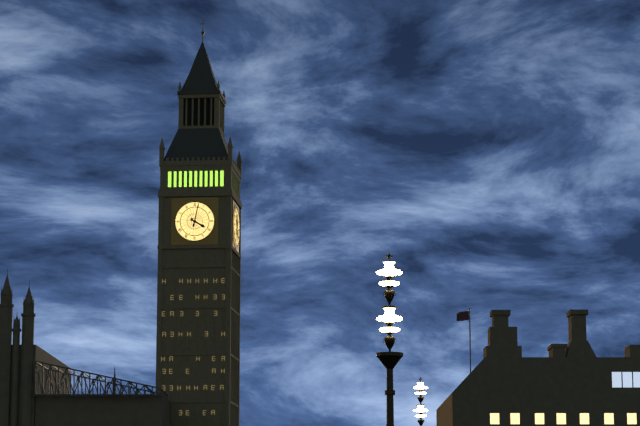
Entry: h=4 m=2
